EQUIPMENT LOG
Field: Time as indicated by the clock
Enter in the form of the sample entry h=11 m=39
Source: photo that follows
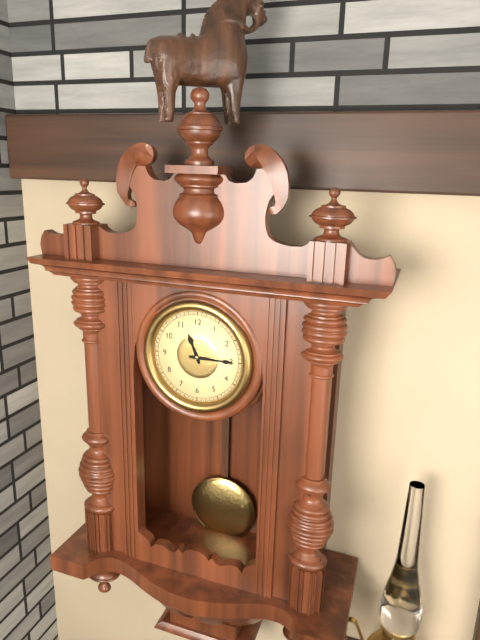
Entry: h=11 m=15
